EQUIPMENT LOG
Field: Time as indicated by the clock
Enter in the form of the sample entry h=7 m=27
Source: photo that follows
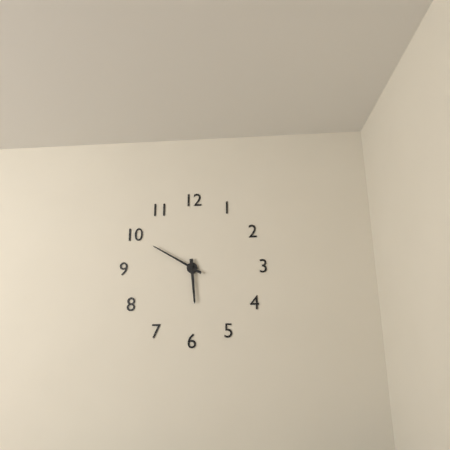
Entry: h=5 m=50
